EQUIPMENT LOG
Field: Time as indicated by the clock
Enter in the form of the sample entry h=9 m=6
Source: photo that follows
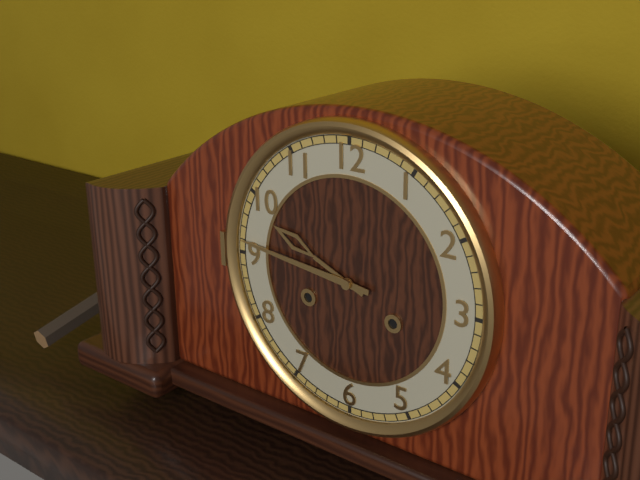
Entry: h=9 m=46
